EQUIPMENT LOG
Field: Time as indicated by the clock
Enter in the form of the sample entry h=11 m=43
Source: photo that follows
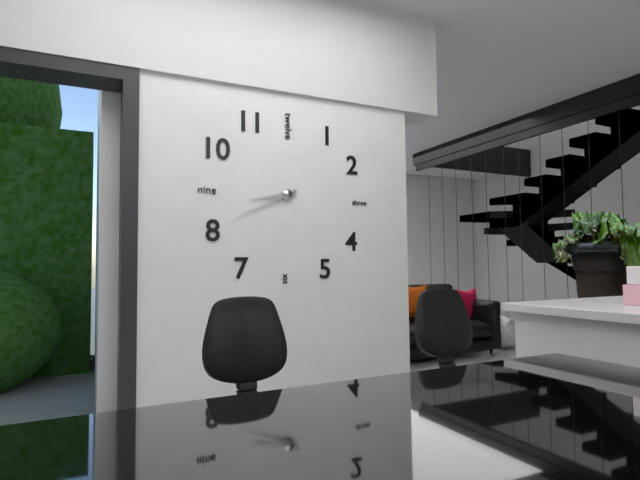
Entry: h=8 m=41
